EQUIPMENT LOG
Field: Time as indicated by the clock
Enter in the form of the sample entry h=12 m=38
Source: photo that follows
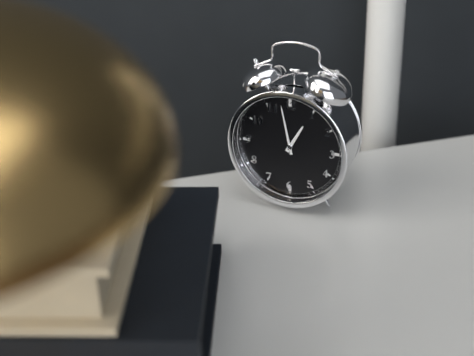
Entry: h=12 m=58
